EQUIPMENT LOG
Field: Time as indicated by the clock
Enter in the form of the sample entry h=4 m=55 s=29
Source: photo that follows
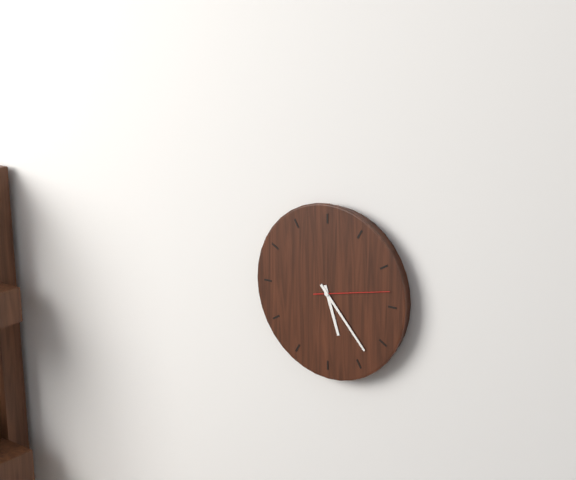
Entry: h=5 m=23 s=13
